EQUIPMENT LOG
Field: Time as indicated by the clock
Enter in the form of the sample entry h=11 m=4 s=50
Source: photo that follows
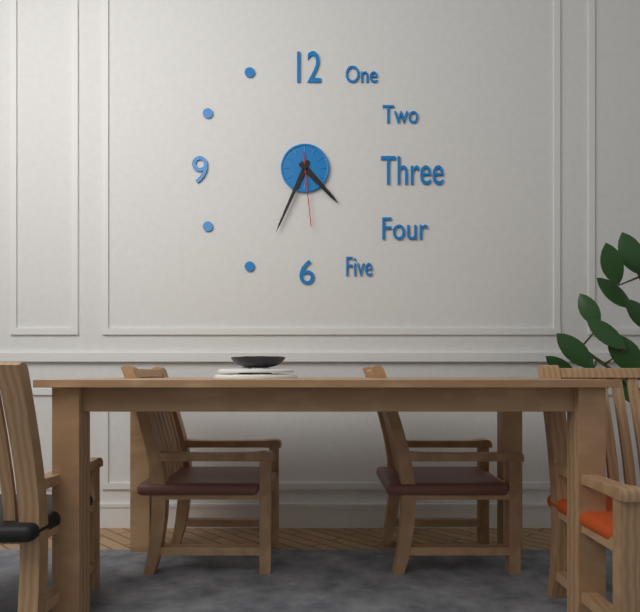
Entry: h=4 m=34 s=29
